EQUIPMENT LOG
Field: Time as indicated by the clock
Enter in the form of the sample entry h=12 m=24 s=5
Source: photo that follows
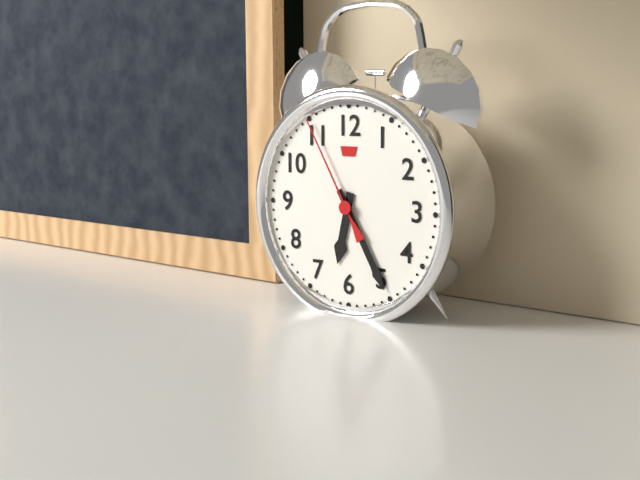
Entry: h=6 m=25 s=55
